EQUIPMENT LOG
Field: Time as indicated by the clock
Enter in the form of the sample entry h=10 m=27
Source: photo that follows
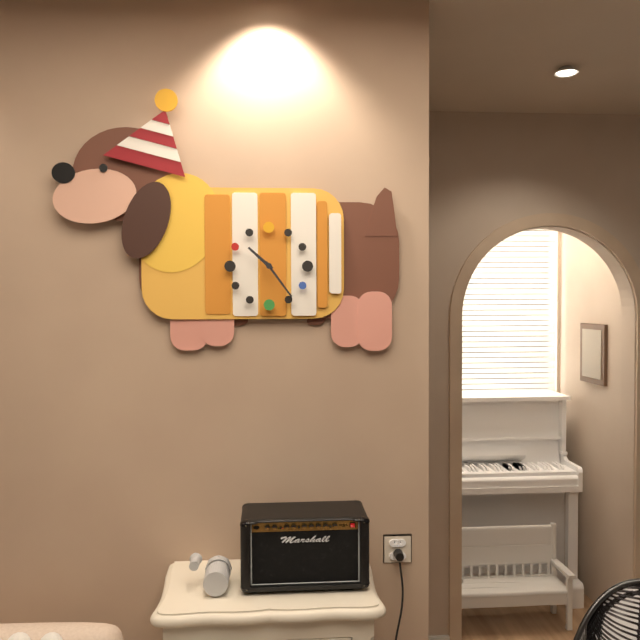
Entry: h=10 m=24
